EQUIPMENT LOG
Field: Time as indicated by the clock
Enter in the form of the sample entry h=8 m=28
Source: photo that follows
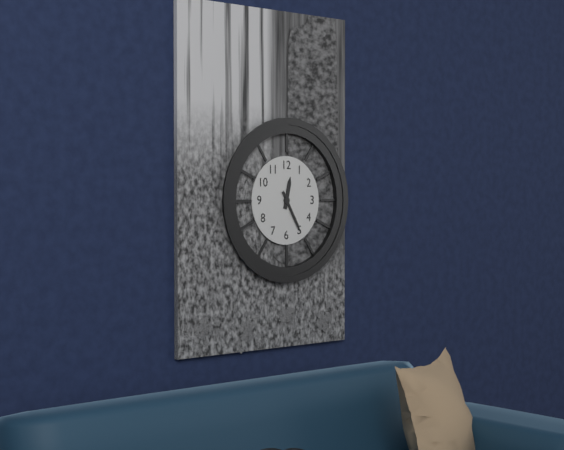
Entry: h=12 m=25
